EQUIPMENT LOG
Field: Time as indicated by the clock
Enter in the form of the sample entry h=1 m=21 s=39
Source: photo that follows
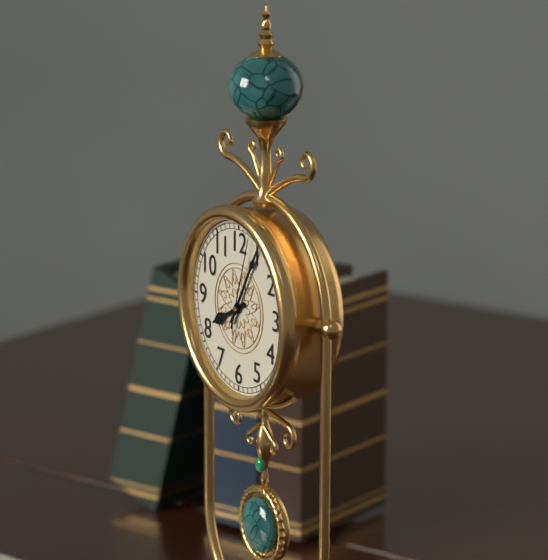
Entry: h=8 m=5 s=3
